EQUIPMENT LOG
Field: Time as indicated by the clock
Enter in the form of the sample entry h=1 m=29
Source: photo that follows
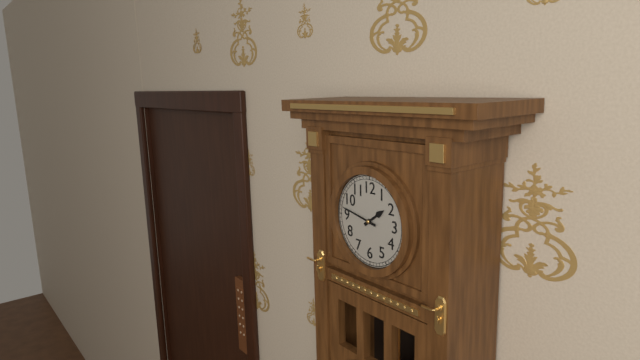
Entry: h=1 m=47
